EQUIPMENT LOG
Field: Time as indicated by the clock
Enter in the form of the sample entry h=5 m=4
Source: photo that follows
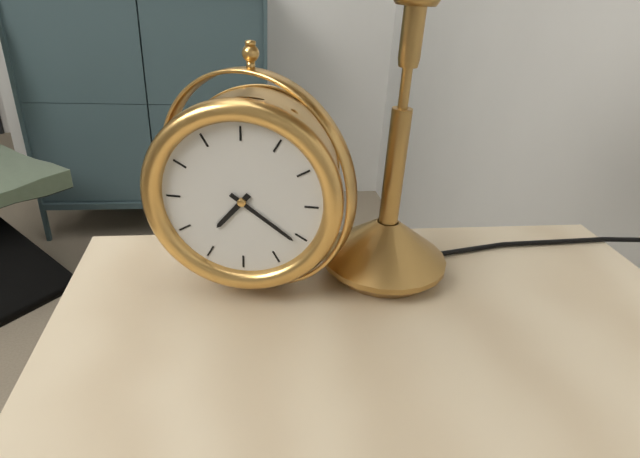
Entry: h=7 m=21
